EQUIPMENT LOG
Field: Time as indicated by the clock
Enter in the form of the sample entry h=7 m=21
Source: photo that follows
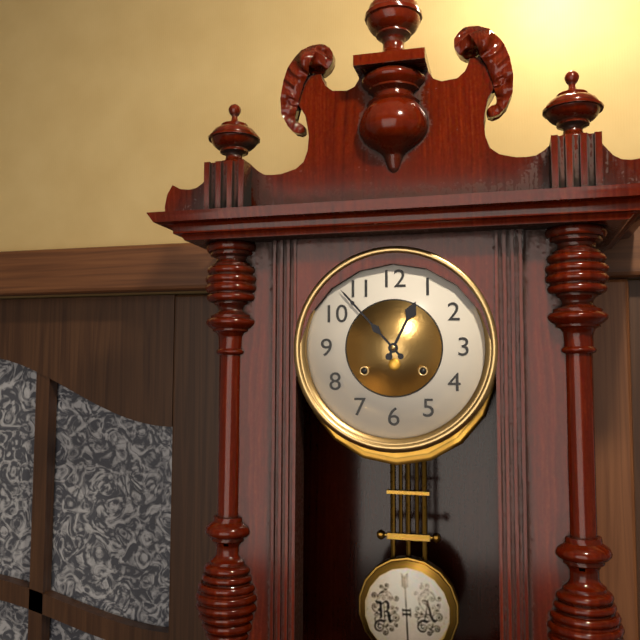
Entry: h=12 m=53
